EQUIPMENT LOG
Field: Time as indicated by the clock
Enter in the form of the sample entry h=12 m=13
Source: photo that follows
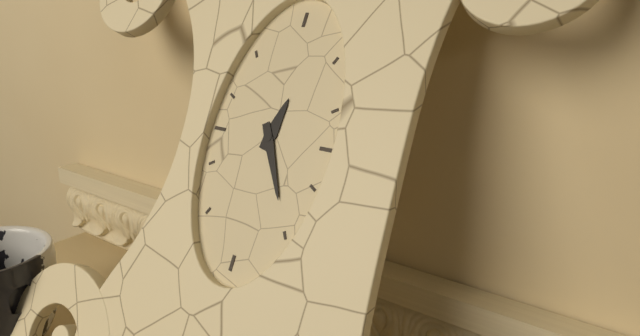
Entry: h=12 m=25
